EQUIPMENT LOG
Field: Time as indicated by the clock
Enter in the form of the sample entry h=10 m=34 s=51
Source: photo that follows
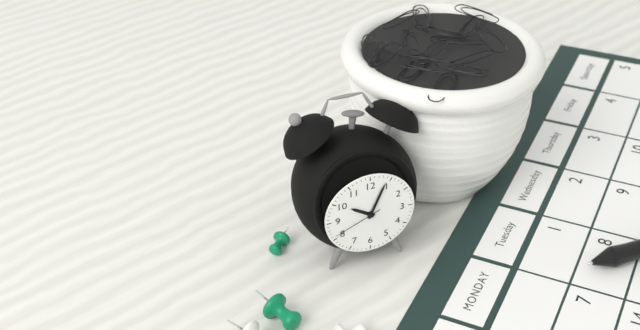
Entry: h=10 m=4 s=41
